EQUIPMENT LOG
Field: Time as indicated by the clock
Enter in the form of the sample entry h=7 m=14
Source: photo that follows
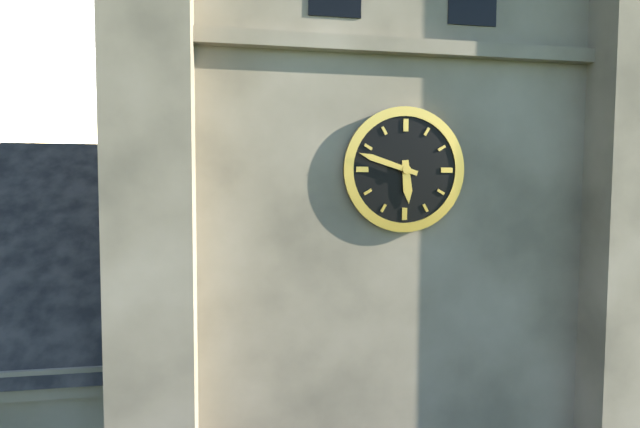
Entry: h=5 m=48
